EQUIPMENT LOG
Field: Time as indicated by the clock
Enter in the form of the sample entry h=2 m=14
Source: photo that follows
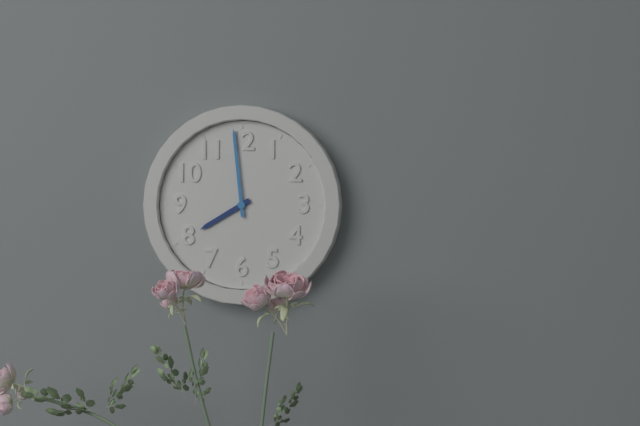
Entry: h=7 m=59
